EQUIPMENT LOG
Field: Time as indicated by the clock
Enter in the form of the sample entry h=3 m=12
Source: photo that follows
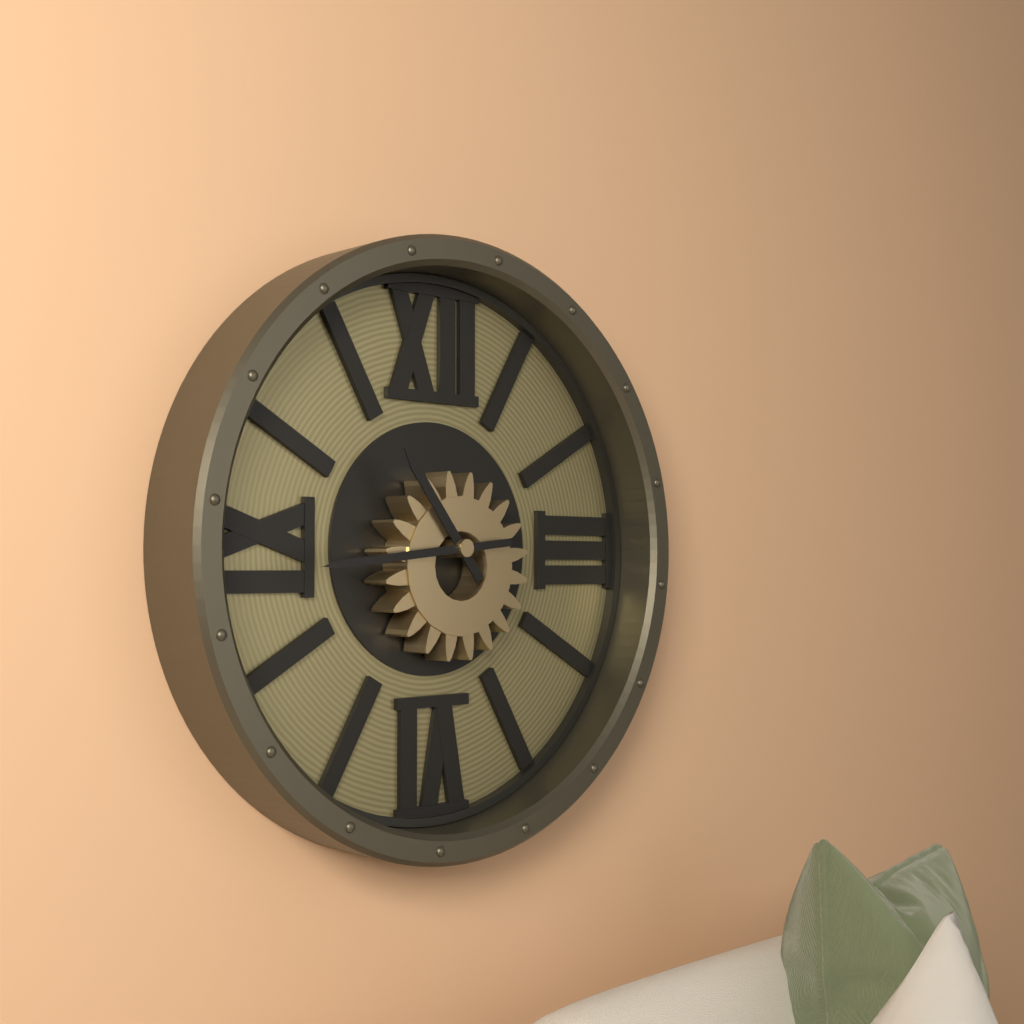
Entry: h=10 m=44
